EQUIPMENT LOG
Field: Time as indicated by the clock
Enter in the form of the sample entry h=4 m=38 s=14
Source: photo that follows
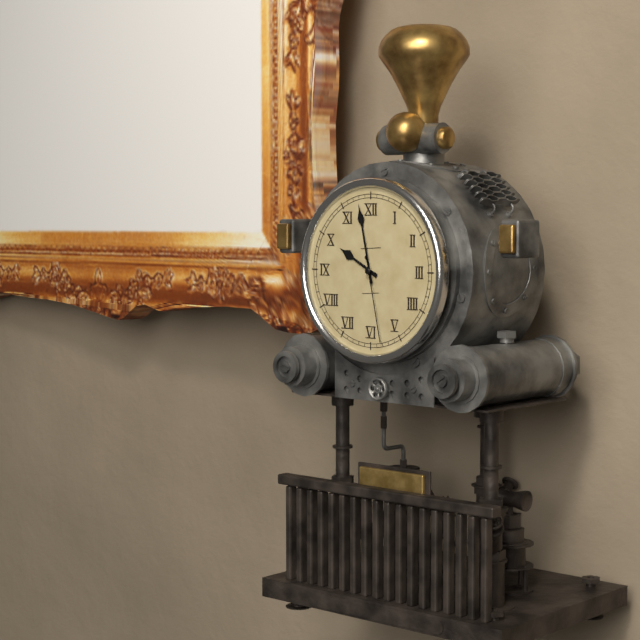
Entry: h=9 m=58 s=28
